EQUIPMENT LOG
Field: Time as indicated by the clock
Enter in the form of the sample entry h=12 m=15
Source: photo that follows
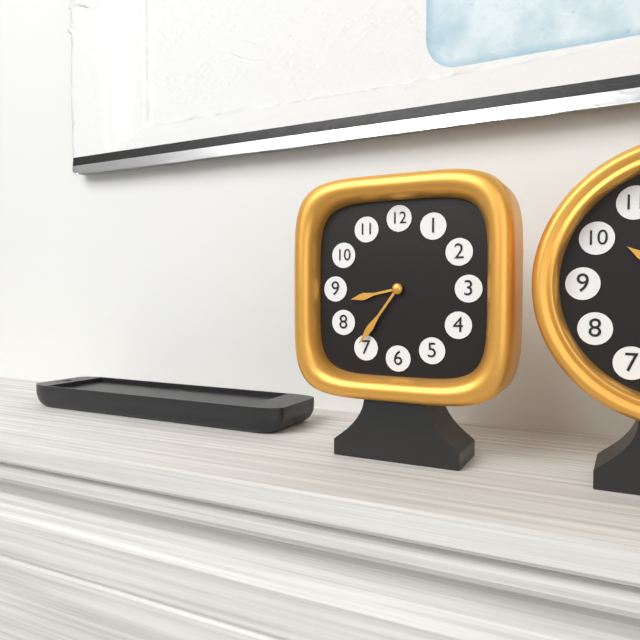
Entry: h=8 m=36
